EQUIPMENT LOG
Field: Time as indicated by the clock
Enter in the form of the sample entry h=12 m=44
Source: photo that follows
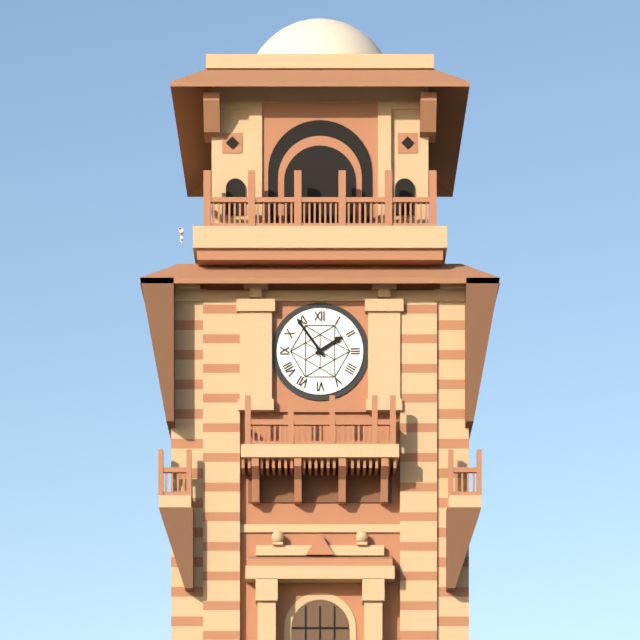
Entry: h=1 m=54
